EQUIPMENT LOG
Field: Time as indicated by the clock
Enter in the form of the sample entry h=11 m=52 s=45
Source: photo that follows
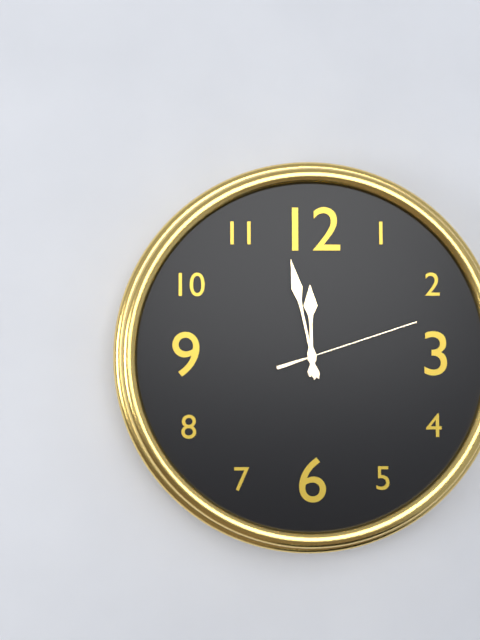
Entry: h=11 m=58 s=12
